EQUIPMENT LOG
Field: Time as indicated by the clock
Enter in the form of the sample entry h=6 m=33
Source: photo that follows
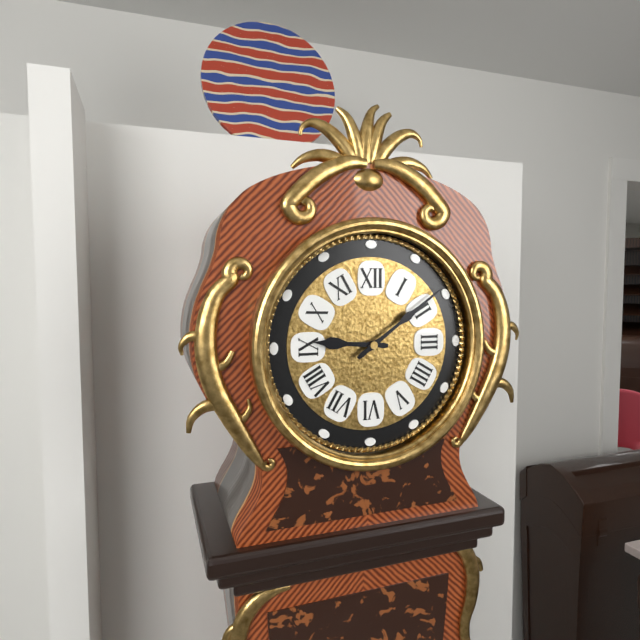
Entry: h=9 m=9
